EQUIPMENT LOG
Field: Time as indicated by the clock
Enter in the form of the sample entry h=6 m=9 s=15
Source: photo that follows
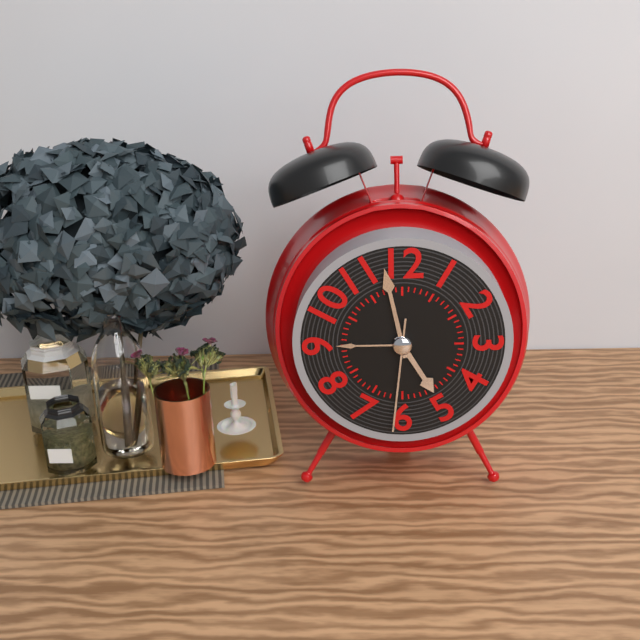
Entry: h=4 m=58 s=31
